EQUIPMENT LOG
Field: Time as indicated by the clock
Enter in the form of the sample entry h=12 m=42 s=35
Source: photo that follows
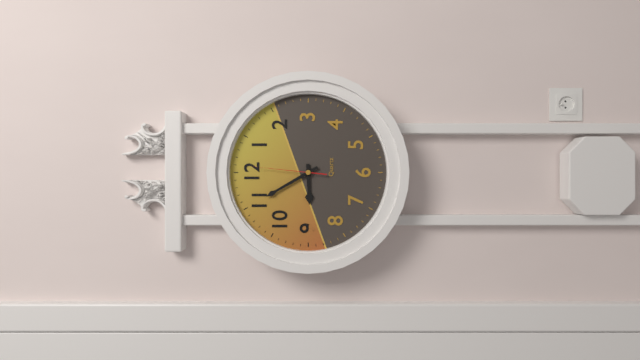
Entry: h=8 m=55 s=1
